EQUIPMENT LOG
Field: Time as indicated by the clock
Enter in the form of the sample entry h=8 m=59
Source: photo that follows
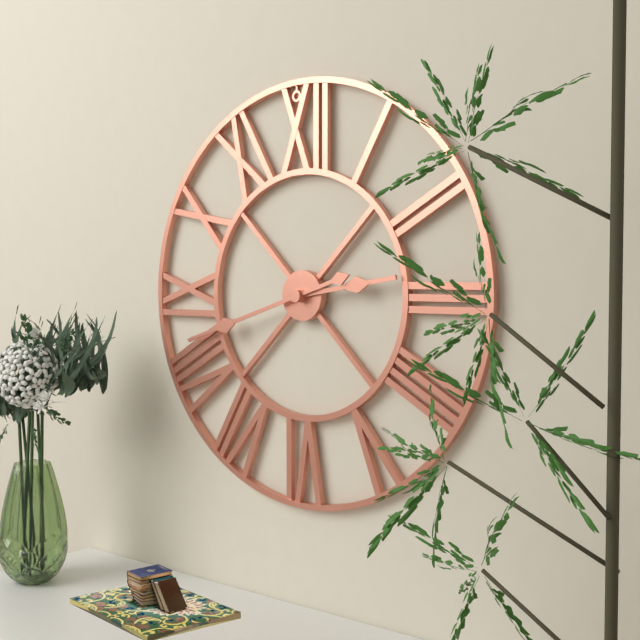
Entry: h=2 m=42
